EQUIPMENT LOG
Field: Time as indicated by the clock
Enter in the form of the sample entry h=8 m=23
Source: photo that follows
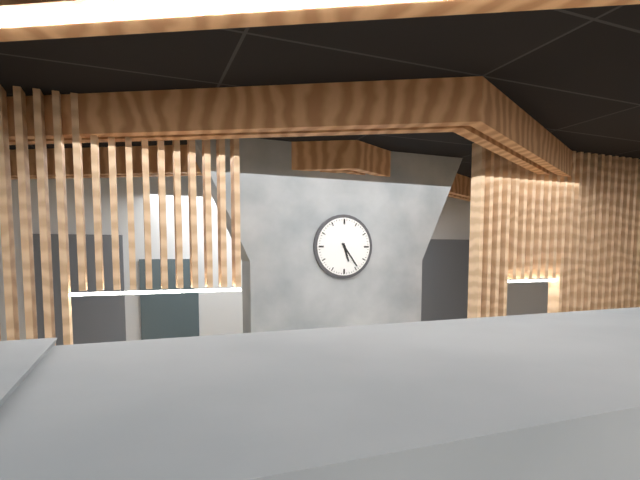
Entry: h=5 m=24
